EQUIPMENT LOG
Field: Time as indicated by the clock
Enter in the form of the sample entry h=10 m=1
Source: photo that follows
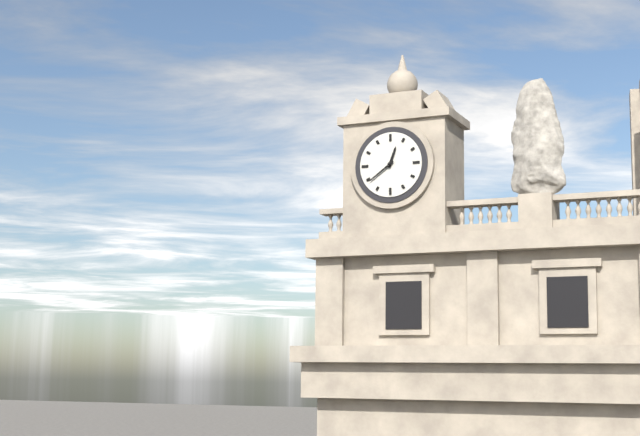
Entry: h=12 m=39
